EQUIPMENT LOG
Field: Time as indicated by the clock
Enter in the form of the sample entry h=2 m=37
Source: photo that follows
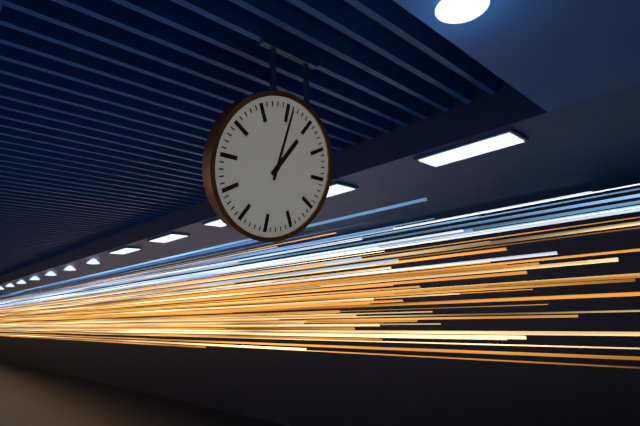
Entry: h=1 m=1
